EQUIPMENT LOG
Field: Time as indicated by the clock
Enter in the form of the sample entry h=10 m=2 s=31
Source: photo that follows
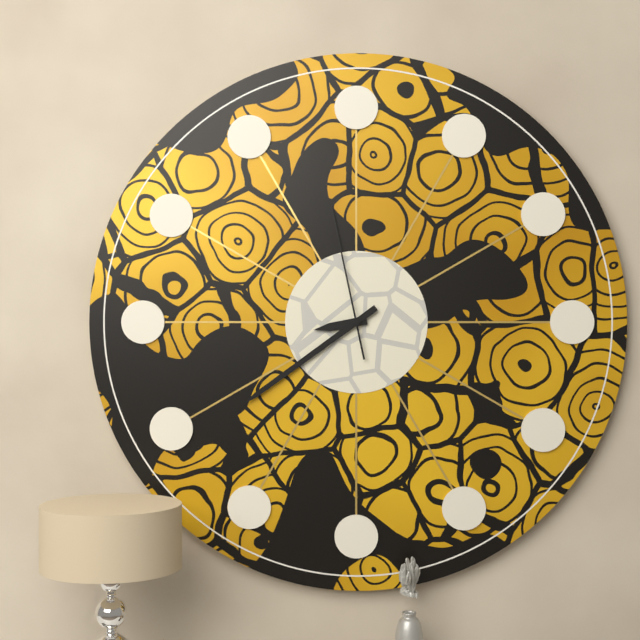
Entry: h=8 m=39 s=58
